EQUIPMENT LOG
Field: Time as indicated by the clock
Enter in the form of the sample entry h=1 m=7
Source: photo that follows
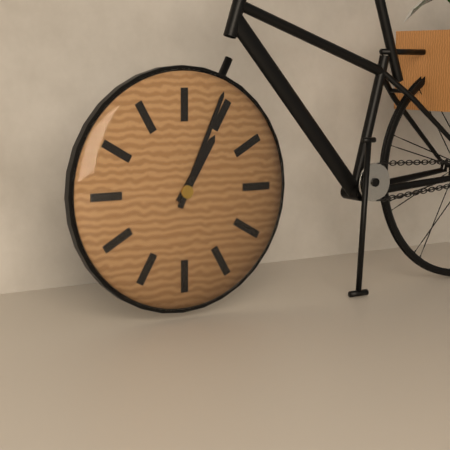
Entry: h=1 m=4
